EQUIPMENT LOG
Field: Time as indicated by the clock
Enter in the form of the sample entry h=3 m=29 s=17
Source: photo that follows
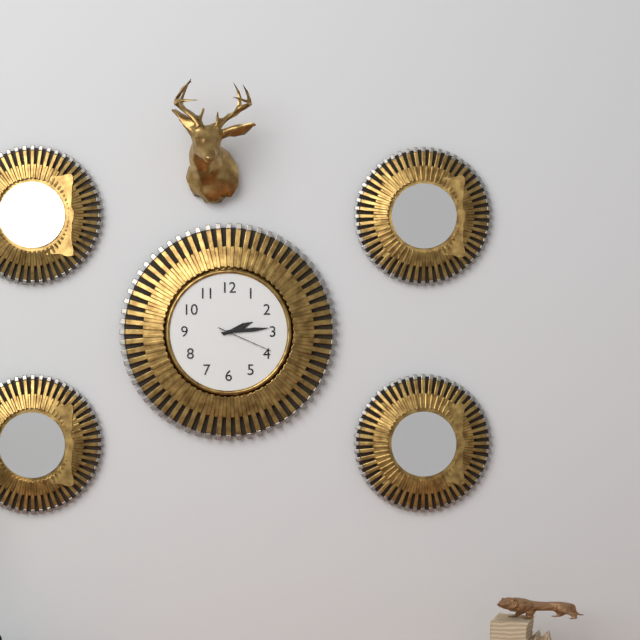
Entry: h=2 m=14 s=19
